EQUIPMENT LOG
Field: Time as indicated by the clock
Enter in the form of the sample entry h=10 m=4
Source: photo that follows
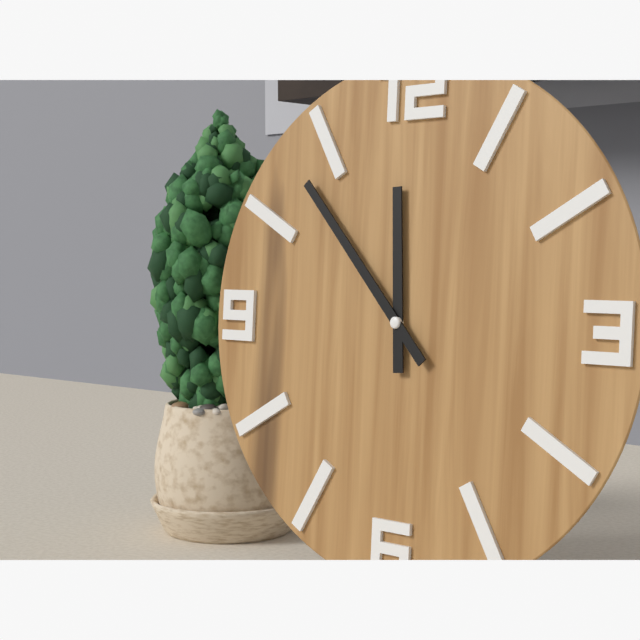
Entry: h=11 m=53
